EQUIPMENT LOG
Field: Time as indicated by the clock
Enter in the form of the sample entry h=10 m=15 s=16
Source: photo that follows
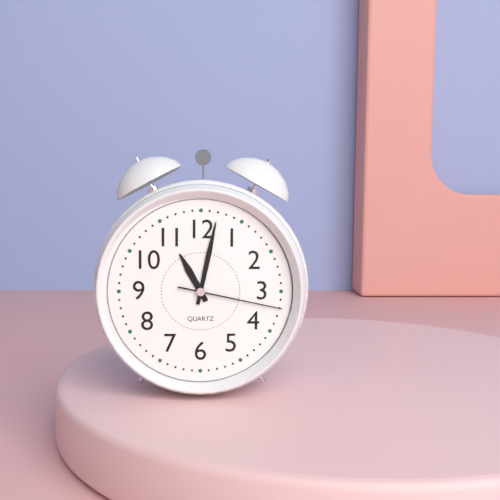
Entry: h=11 m=2 s=17
